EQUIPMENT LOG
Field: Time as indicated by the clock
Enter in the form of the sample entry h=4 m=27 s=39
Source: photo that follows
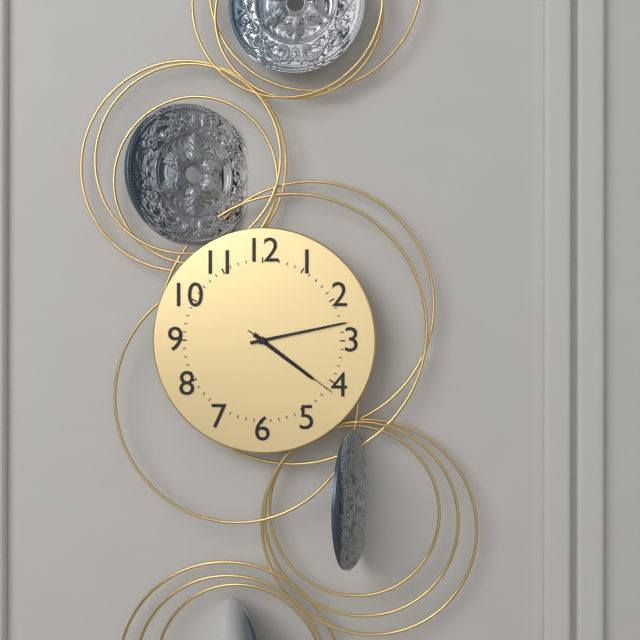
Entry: h=4 m=13 s=21
